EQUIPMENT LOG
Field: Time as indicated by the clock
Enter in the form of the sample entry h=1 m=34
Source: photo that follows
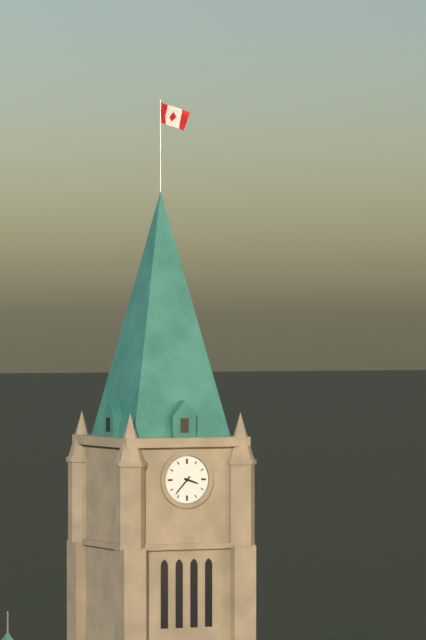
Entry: h=3 m=37
